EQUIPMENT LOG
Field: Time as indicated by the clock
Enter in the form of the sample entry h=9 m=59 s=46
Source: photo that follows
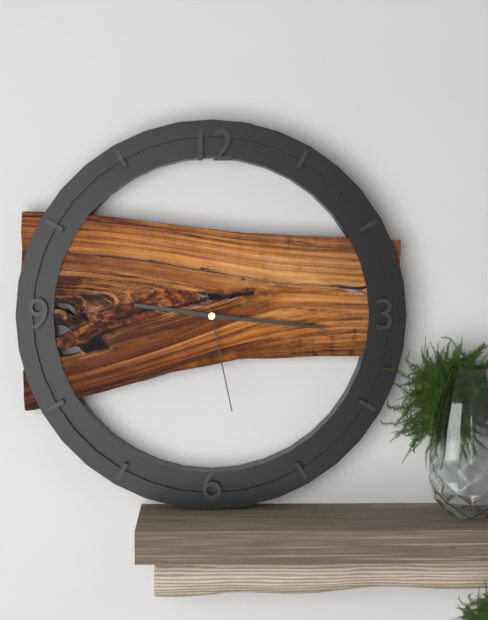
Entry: h=9 m=16 s=28
